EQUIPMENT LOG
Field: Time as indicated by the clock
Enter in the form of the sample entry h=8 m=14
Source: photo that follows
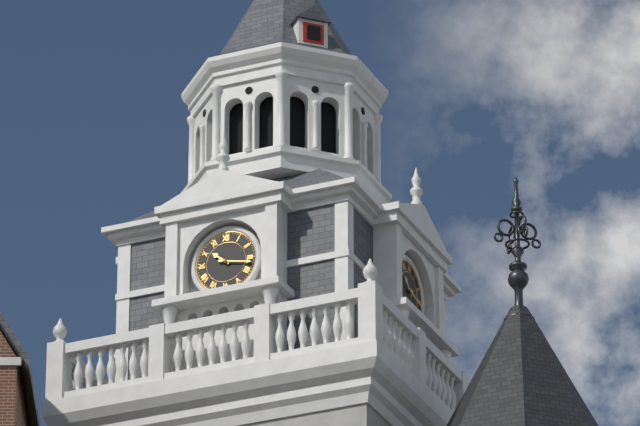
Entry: h=10 m=17
